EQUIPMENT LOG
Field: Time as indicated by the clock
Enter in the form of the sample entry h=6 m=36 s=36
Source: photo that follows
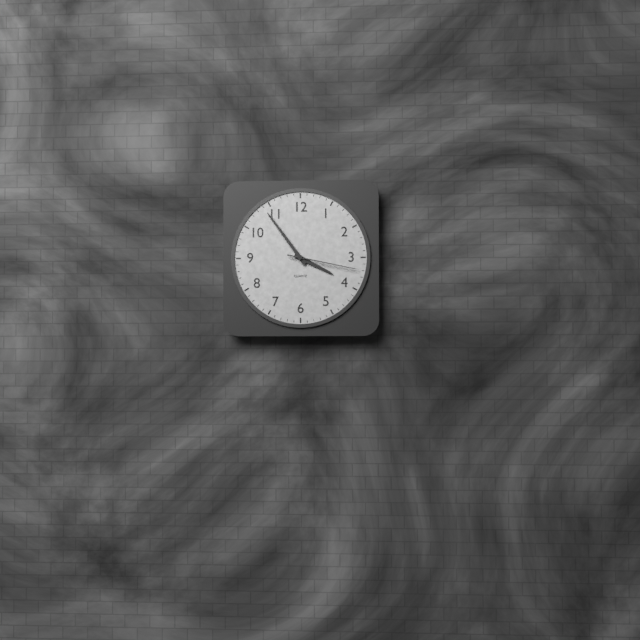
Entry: h=3 m=54 s=17
